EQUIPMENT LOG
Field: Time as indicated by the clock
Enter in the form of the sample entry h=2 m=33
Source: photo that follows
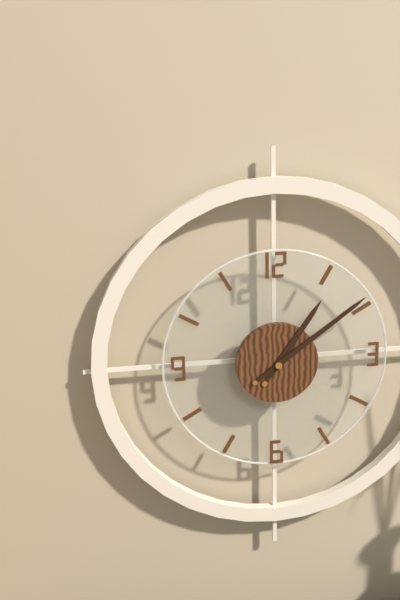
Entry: h=1 m=9
